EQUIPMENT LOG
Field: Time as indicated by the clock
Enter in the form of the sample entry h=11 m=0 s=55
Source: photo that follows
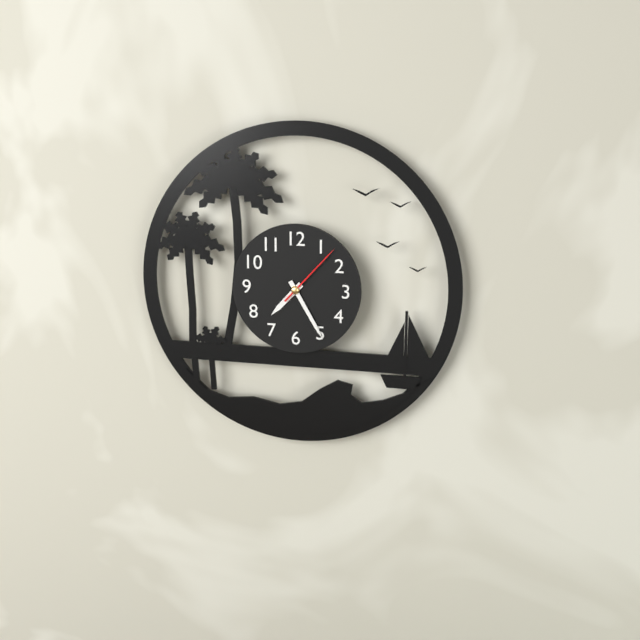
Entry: h=7 m=25 s=7
